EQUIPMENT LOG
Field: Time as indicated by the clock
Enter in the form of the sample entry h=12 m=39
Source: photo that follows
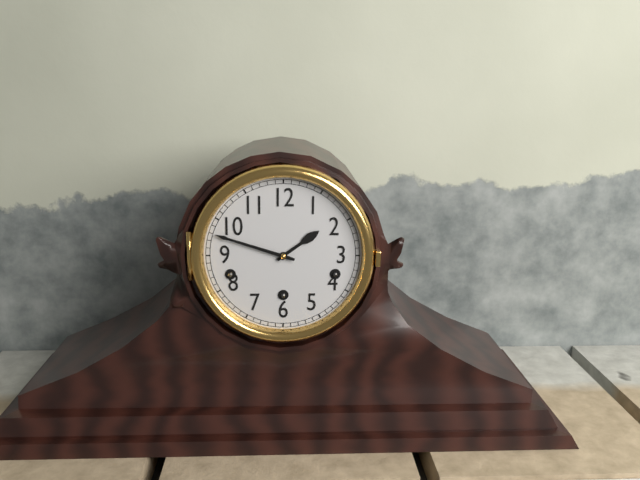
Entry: h=1 m=48
